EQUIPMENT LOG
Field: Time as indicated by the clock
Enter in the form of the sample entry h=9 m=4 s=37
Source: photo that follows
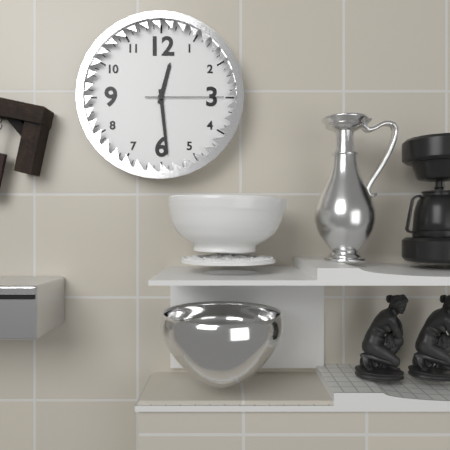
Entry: h=12 m=29 s=15
